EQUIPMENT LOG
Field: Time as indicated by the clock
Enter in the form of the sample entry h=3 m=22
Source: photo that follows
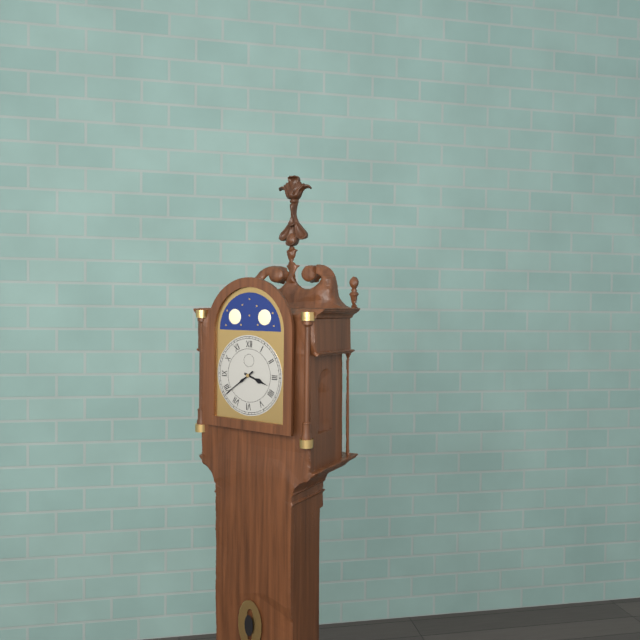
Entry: h=3 m=39
